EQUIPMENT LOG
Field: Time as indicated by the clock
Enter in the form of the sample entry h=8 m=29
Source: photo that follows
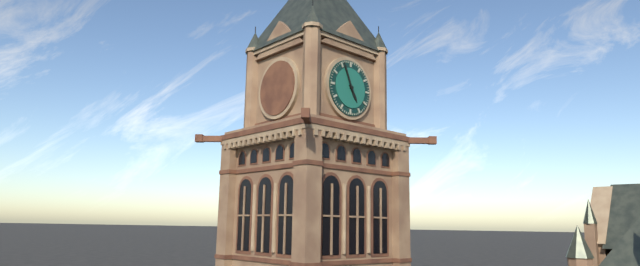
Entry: h=4 m=56
